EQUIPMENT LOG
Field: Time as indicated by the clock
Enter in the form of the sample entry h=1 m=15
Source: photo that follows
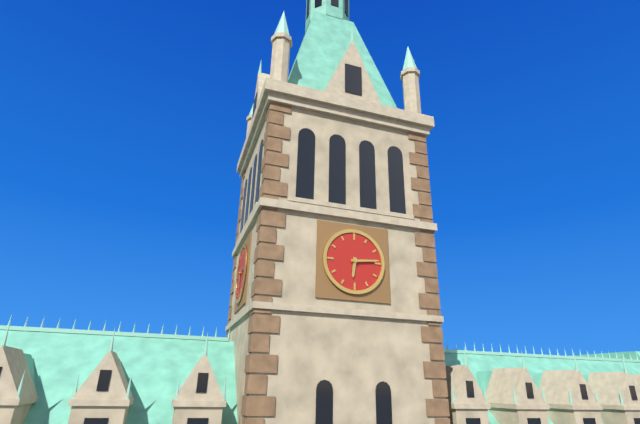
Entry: h=6 m=14
